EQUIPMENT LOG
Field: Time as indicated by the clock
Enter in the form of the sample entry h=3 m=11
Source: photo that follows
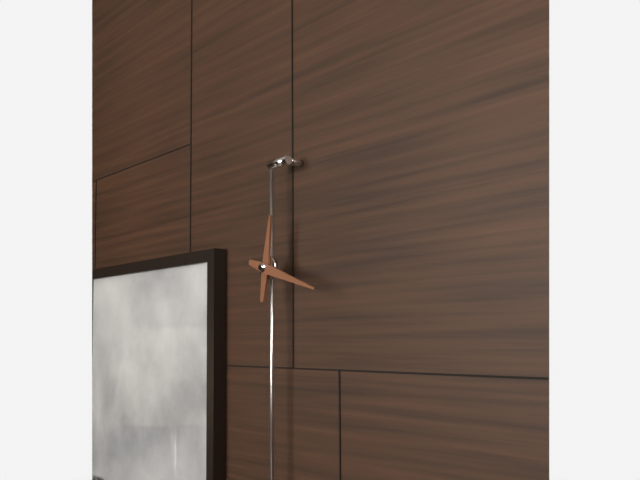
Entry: h=12 m=18
